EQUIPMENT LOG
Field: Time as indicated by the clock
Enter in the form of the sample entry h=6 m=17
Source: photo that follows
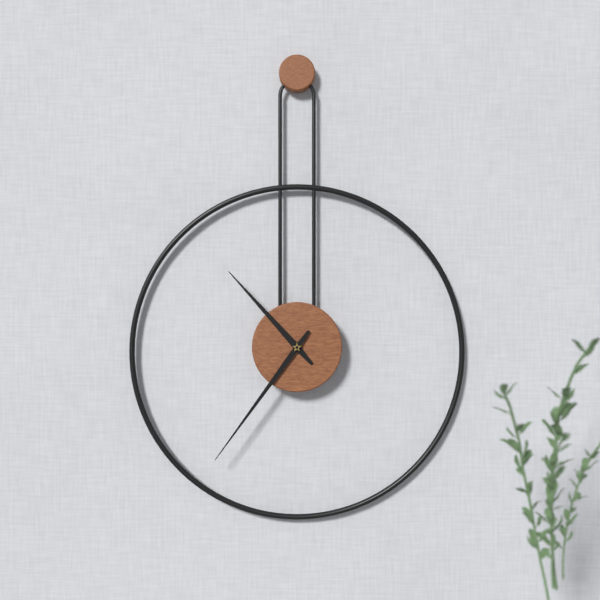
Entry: h=10 m=36
